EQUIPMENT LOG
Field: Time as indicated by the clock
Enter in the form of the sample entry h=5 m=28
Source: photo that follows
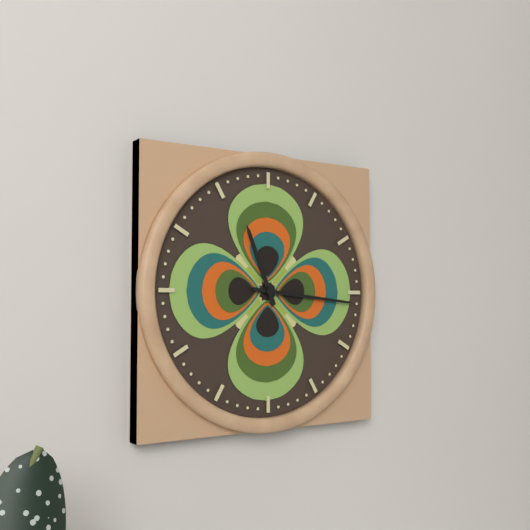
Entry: h=11 m=16
